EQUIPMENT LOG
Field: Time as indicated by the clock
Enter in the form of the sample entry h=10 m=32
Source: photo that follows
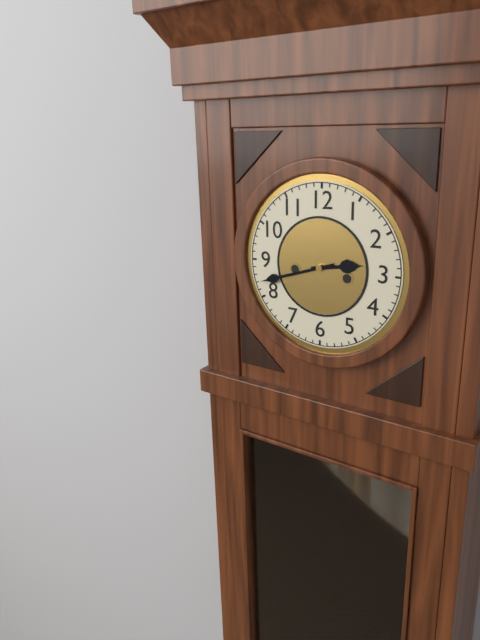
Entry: h=2 m=42
